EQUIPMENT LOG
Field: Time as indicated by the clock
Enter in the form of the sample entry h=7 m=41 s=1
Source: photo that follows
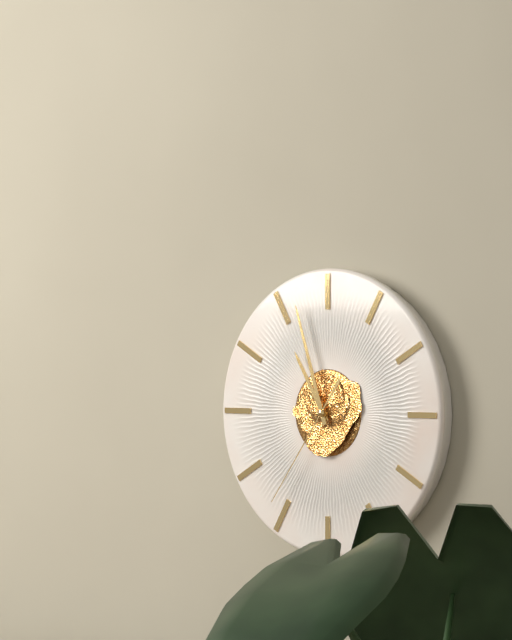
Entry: h=10 m=57 s=36
